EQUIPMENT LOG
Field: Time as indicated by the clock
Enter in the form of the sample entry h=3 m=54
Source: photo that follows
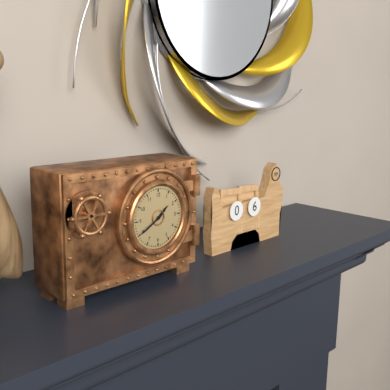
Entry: h=1 m=40
